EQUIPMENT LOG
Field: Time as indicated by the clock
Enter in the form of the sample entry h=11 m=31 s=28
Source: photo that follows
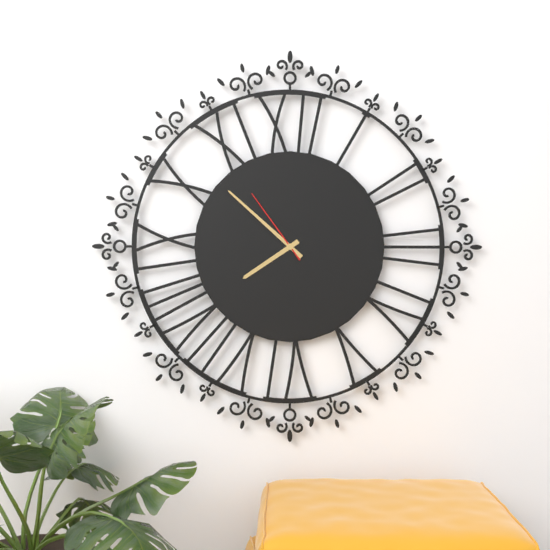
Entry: h=7 m=52 s=54
